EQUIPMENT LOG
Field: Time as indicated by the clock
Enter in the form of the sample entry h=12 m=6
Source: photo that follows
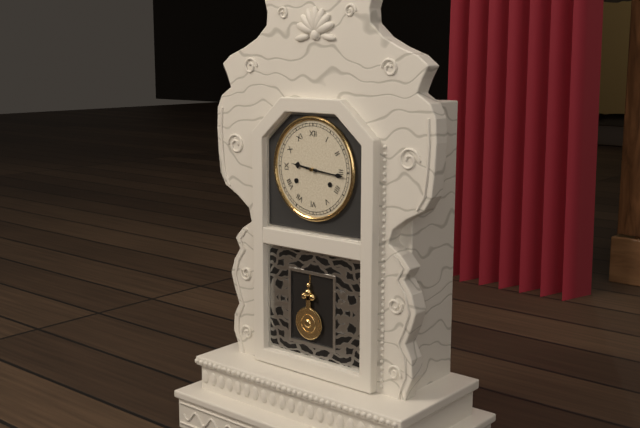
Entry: h=9 m=16
